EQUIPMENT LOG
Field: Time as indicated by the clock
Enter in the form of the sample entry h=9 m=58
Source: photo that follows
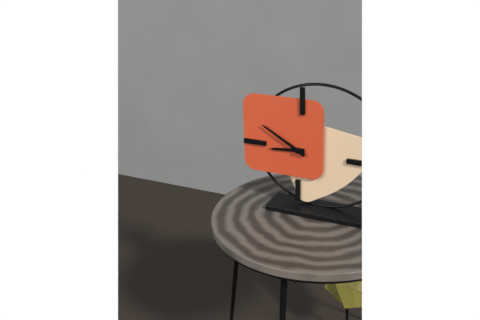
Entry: h=8 m=50
